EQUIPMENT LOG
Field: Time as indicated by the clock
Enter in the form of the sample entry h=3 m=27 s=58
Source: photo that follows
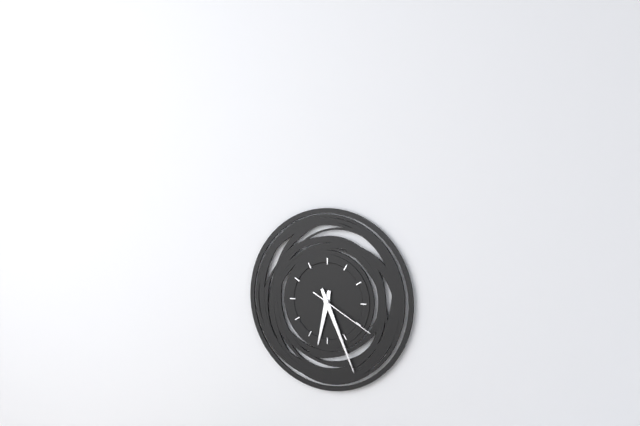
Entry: h=6 m=26 s=20
